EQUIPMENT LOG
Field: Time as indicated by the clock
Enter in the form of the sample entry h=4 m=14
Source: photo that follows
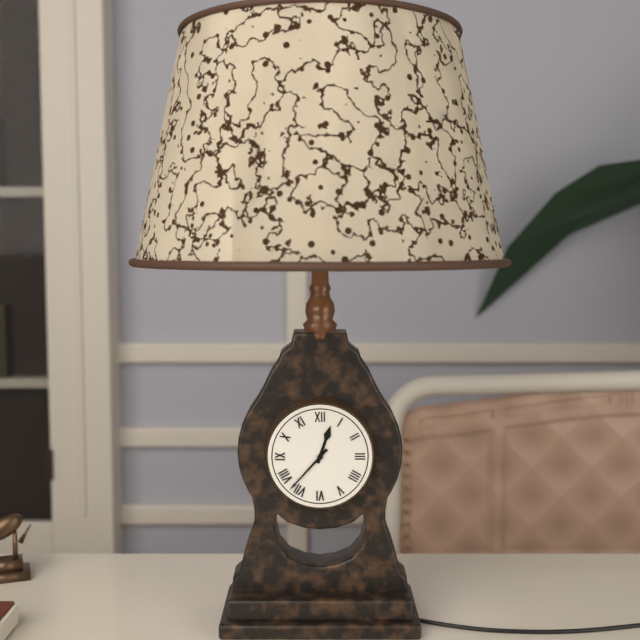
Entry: h=12 m=37
